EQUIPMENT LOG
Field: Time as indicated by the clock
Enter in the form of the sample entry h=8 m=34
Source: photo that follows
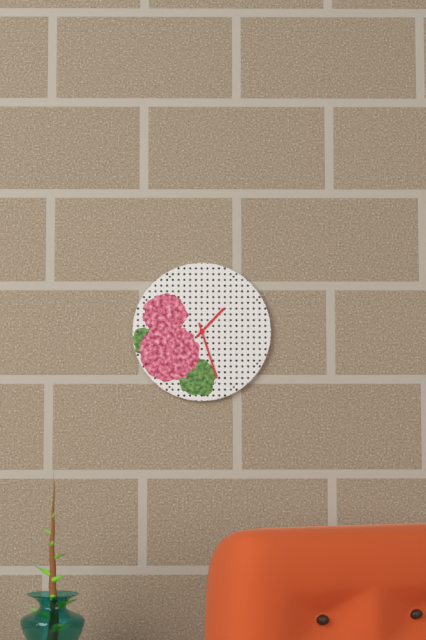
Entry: h=1 m=27
